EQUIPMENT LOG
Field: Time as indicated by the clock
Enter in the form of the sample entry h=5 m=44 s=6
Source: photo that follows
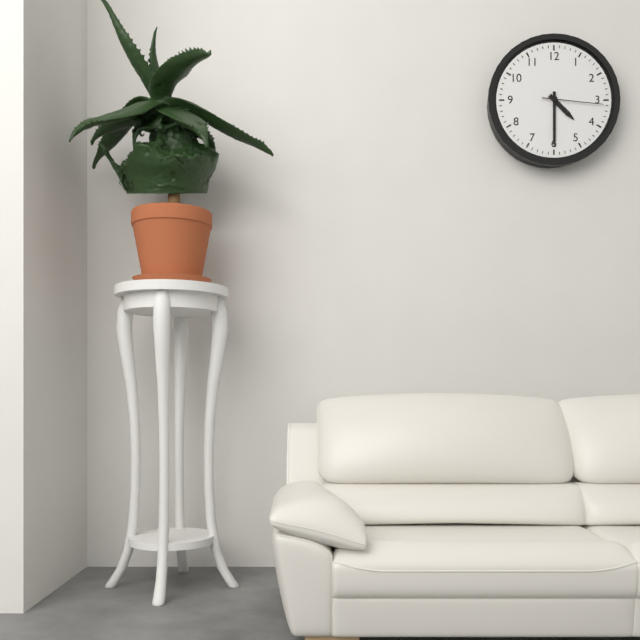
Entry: h=4 m=30 s=16
